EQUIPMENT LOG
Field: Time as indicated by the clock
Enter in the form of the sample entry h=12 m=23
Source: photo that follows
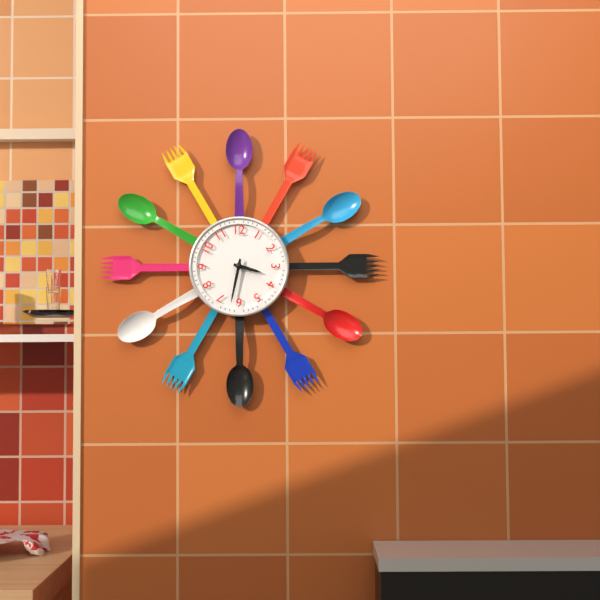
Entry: h=3 m=32
